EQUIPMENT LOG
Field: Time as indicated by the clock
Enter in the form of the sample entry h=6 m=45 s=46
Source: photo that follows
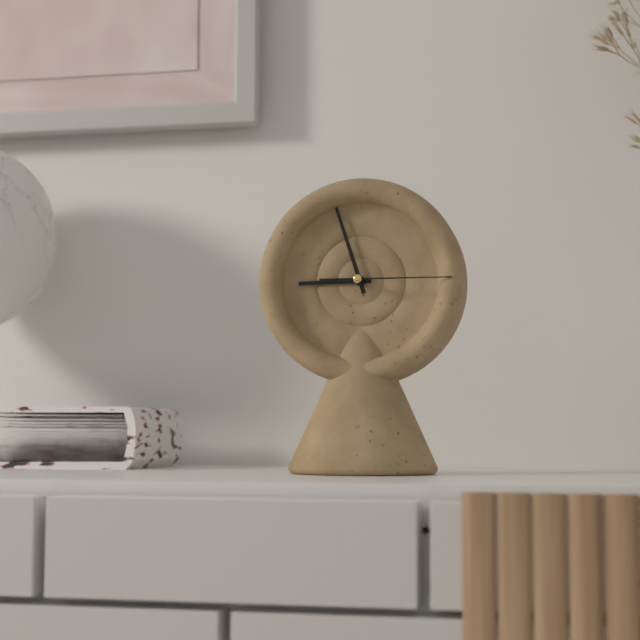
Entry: h=8 m=57 s=15
